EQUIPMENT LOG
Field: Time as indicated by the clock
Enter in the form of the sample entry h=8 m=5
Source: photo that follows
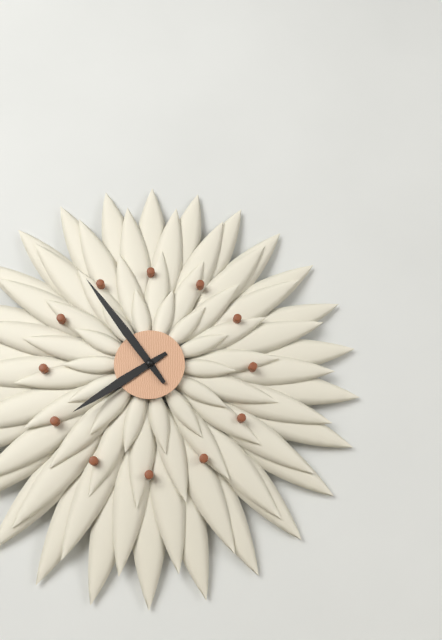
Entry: h=7 m=54
